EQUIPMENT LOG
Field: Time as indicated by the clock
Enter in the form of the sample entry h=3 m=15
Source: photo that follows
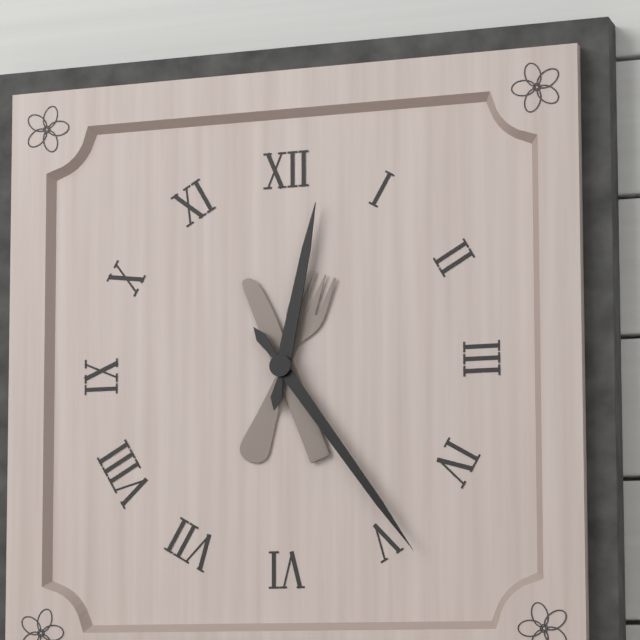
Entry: h=12 m=24
